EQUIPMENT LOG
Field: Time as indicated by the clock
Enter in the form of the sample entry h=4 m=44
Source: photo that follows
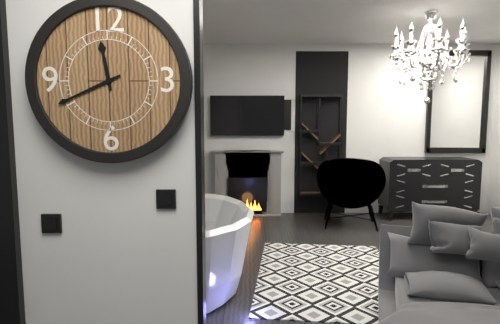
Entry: h=11 m=41
